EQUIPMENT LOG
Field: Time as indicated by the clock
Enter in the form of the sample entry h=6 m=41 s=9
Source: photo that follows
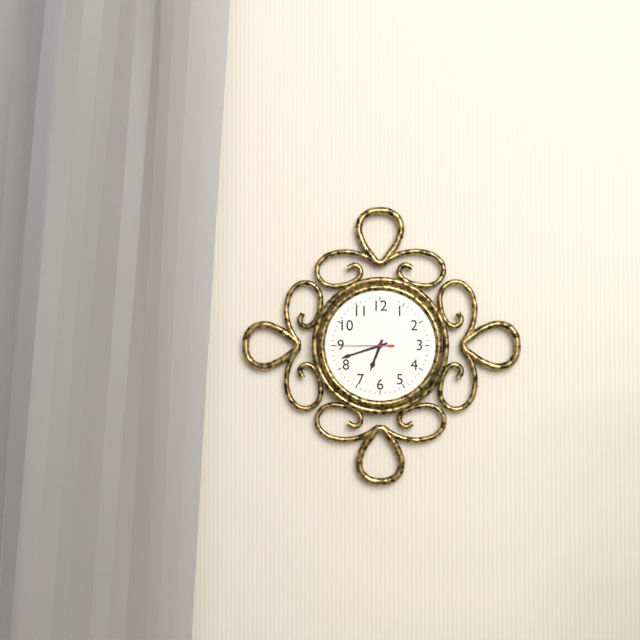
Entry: h=6 m=42 s=45
